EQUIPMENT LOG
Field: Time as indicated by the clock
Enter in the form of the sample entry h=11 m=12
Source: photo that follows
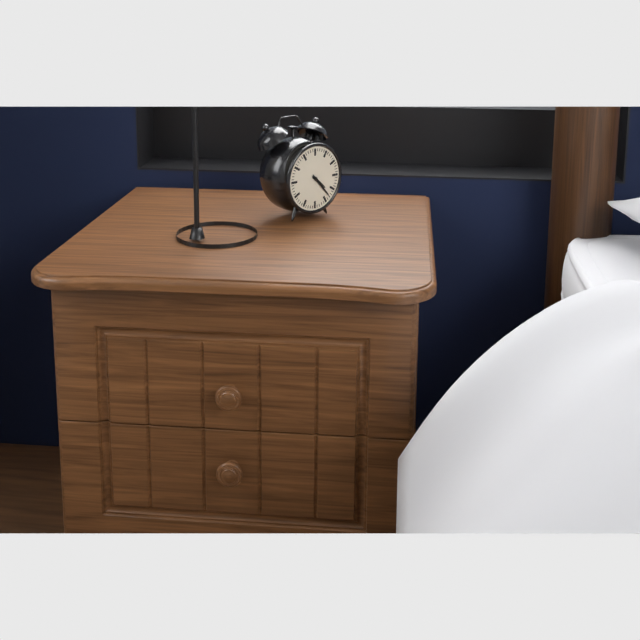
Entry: h=4 m=23
